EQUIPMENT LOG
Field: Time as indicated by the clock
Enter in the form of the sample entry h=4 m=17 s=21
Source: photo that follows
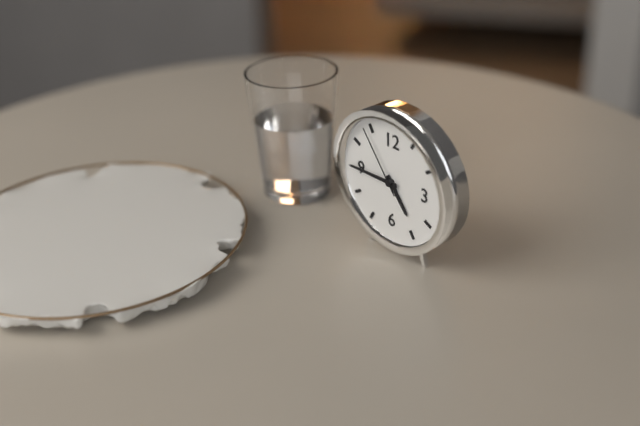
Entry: h=4 m=45 s=54
